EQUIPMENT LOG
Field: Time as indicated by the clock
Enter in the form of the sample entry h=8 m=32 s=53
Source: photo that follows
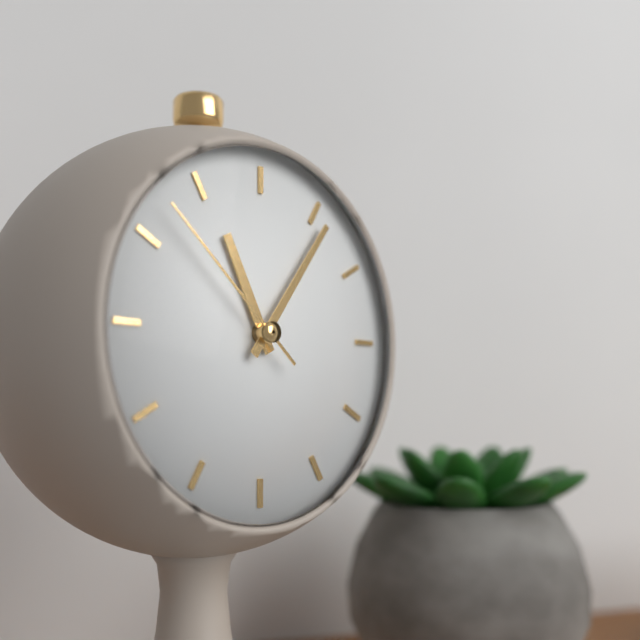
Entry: h=11 m=6 s=52
